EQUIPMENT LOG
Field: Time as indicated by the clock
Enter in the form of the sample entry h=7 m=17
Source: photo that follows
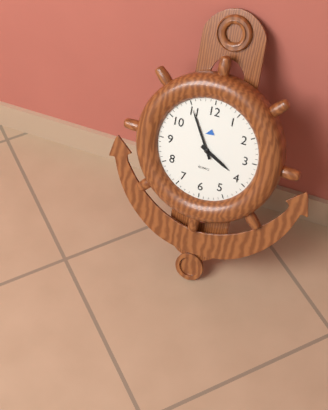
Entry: h=3 m=55
